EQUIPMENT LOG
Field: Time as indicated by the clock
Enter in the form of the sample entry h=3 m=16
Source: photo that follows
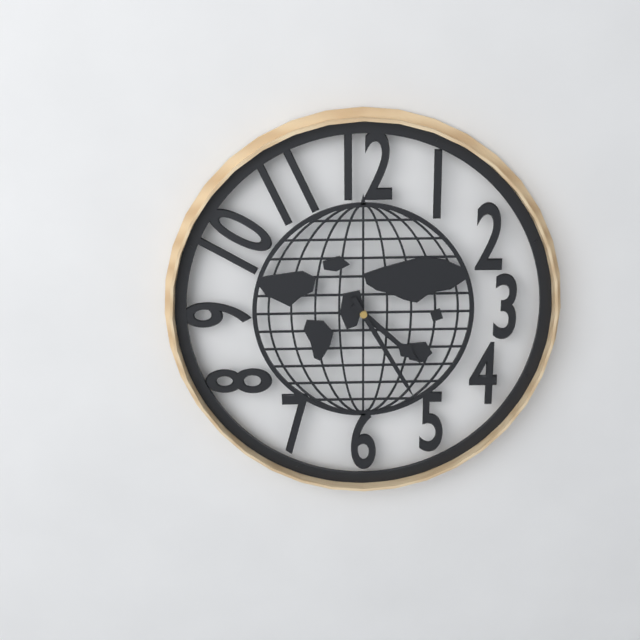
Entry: h=4 m=25
